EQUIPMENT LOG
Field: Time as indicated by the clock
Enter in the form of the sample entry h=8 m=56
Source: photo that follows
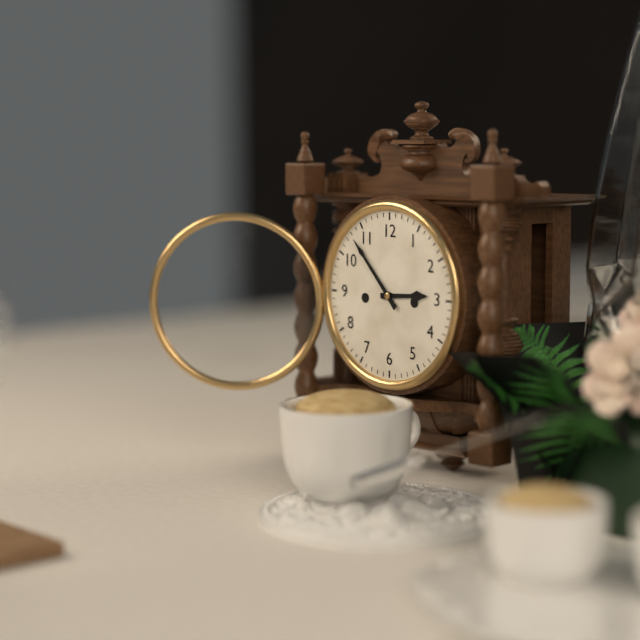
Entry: h=2 m=53
